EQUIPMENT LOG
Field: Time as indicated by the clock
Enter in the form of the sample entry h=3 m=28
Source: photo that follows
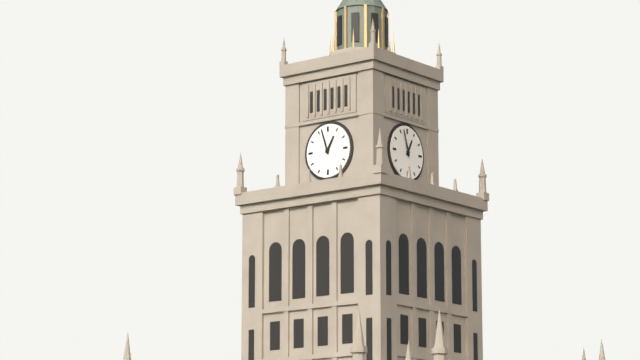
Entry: h=12 m=57
